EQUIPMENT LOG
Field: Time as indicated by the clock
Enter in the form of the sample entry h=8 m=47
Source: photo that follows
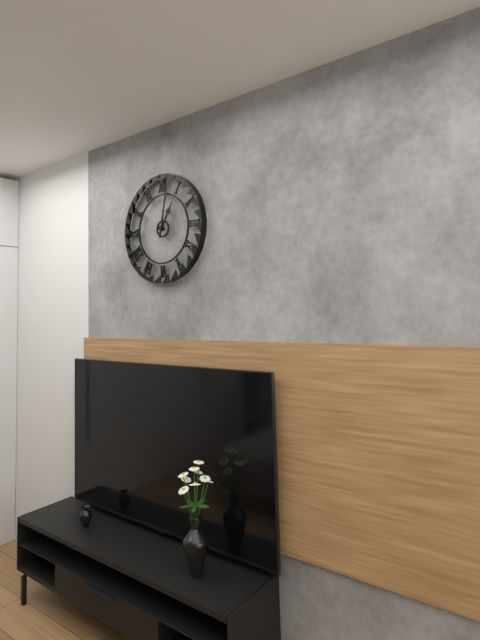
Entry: h=1 m=2
